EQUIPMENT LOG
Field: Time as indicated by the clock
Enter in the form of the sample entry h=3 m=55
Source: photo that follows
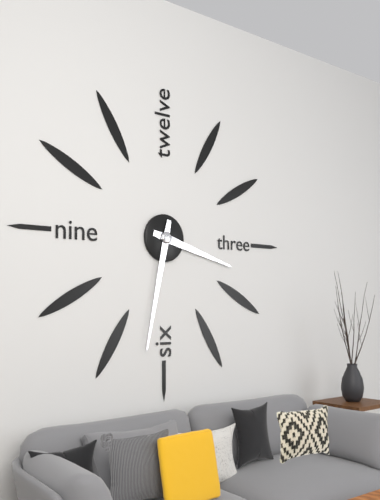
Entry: h=3 m=32
